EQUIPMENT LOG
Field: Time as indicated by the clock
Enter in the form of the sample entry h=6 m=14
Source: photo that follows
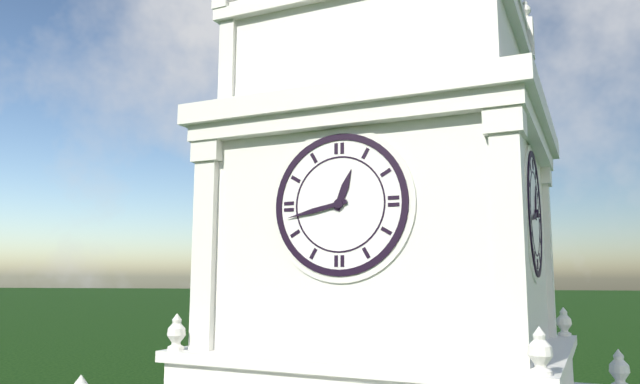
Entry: h=12 m=43
